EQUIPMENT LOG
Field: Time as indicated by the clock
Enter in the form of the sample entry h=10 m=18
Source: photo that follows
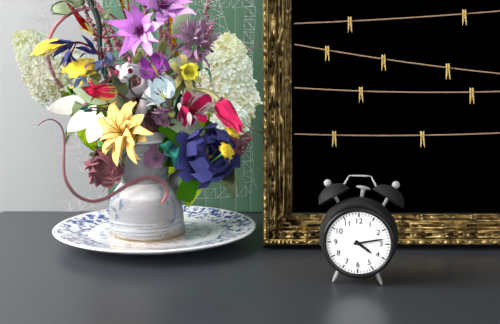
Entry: h=4 m=13
